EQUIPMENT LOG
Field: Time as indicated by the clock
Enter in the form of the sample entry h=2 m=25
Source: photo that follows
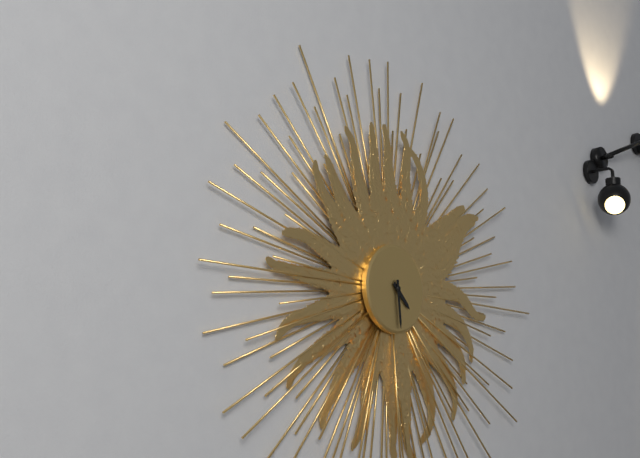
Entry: h=4 m=29
